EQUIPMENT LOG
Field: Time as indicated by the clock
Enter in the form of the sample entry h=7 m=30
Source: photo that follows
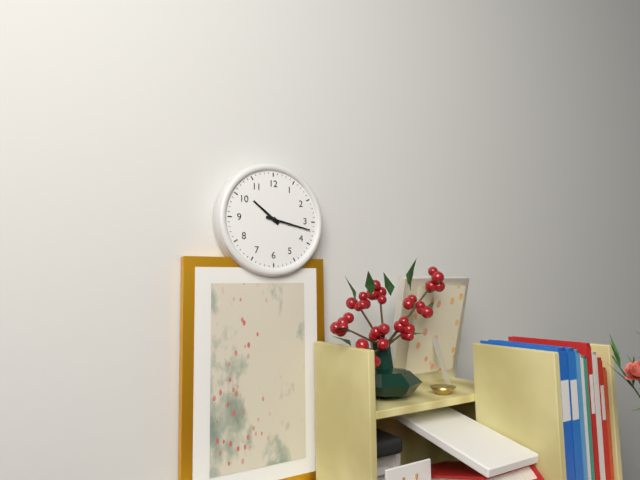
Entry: h=10 m=17
